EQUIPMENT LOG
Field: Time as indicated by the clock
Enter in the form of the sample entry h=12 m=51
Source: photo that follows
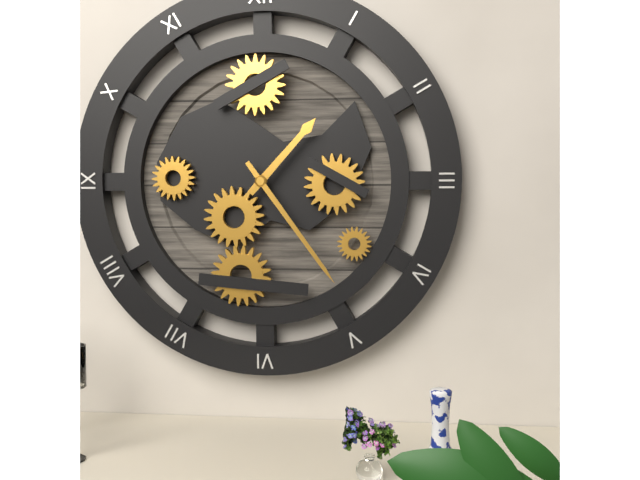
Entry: h=1 m=24
